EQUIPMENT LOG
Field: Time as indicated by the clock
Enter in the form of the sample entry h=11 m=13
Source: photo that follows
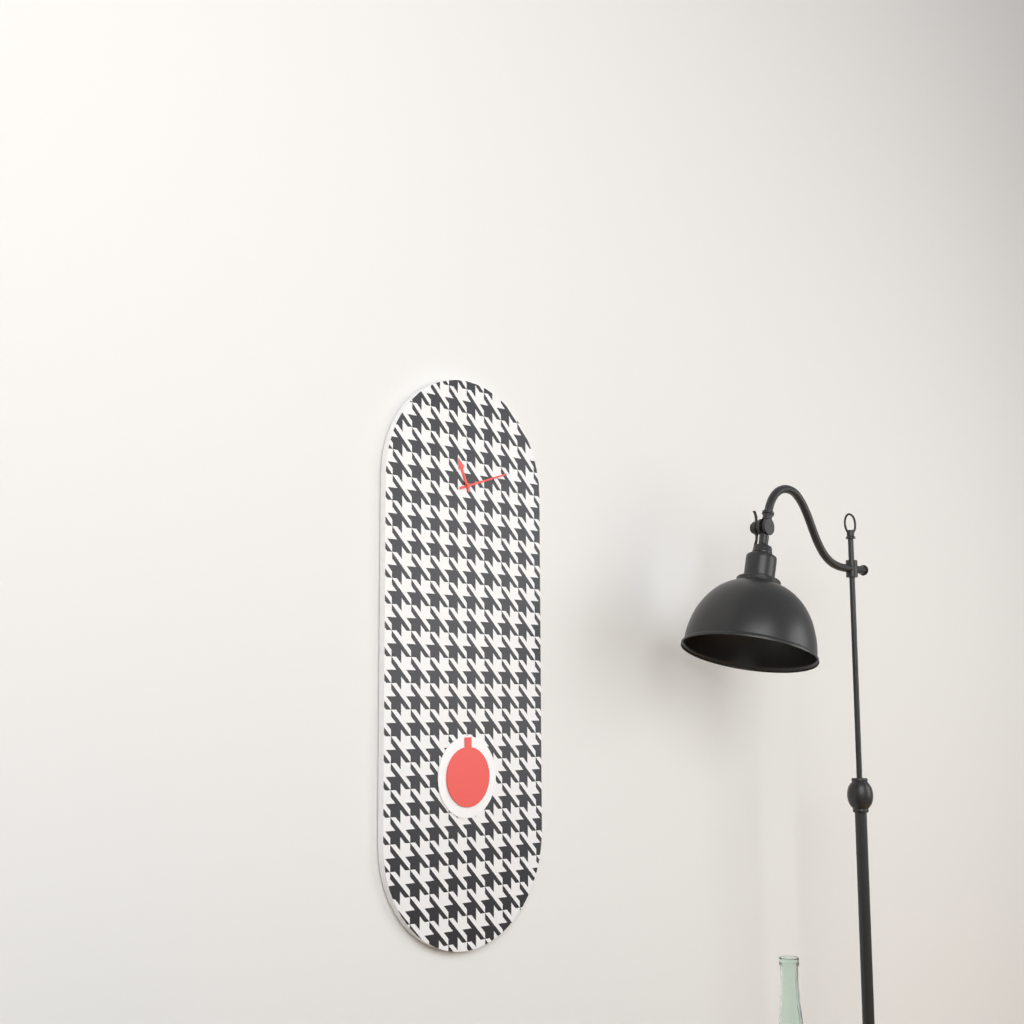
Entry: h=11 m=12
